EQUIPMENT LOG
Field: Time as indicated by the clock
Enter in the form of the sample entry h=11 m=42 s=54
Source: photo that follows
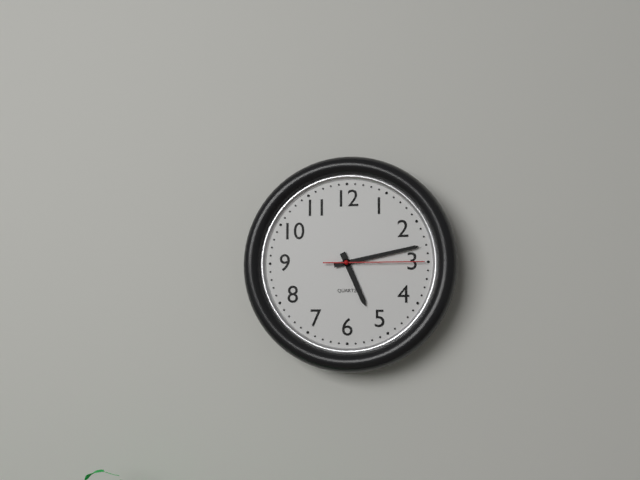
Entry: h=5 m=13 s=15
